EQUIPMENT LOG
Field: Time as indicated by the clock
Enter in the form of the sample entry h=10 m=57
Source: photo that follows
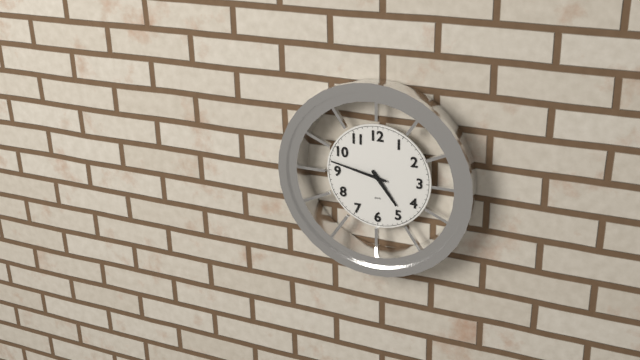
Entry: h=4 m=47
